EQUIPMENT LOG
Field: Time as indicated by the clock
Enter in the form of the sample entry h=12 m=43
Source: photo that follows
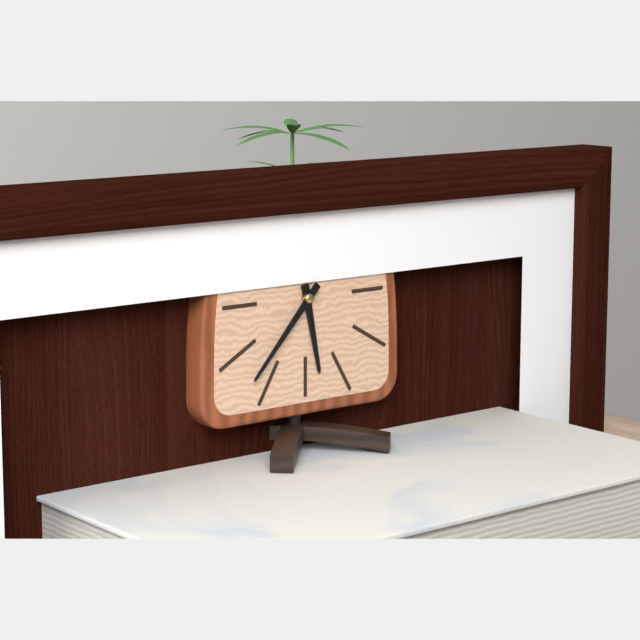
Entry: h=5 m=37
